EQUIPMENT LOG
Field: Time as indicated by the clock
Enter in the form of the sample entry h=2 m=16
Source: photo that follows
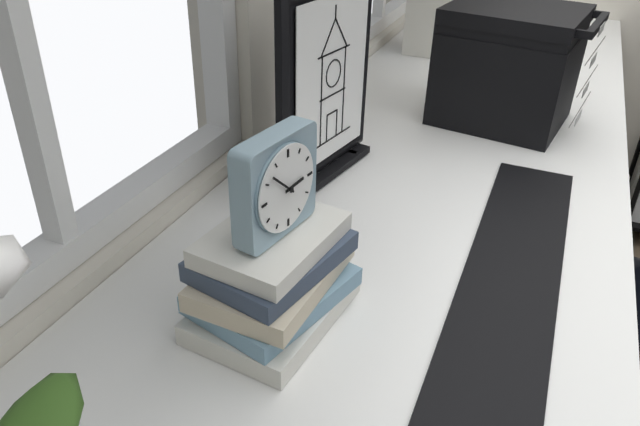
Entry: h=2 m=52
